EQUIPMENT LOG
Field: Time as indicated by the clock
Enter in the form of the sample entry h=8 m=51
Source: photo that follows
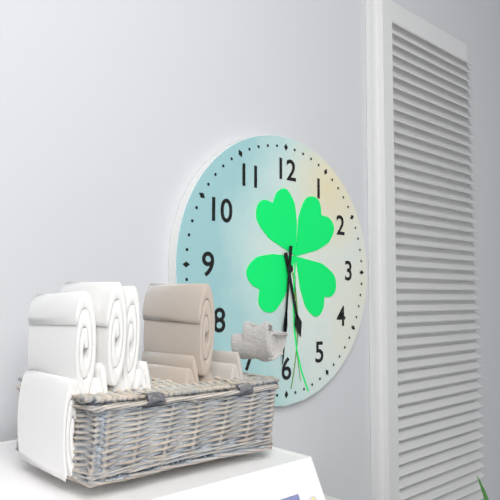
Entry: h=5 m=31
